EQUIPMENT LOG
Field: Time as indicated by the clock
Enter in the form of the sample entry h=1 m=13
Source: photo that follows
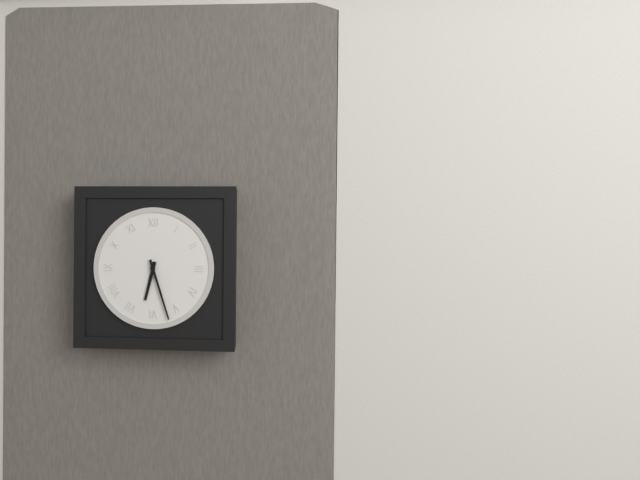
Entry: h=6 m=27
